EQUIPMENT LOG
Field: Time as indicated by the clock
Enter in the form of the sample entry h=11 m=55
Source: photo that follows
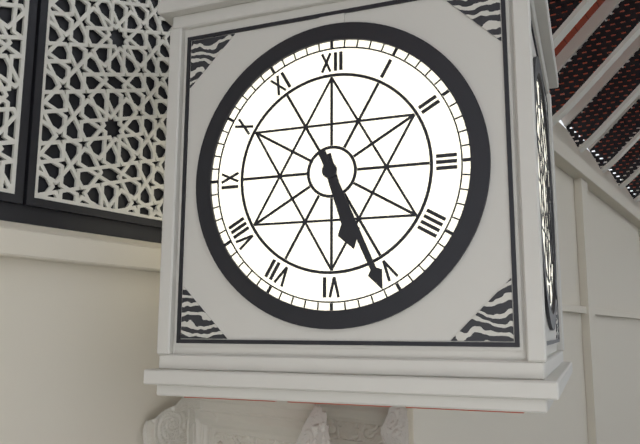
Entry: h=5 m=26
